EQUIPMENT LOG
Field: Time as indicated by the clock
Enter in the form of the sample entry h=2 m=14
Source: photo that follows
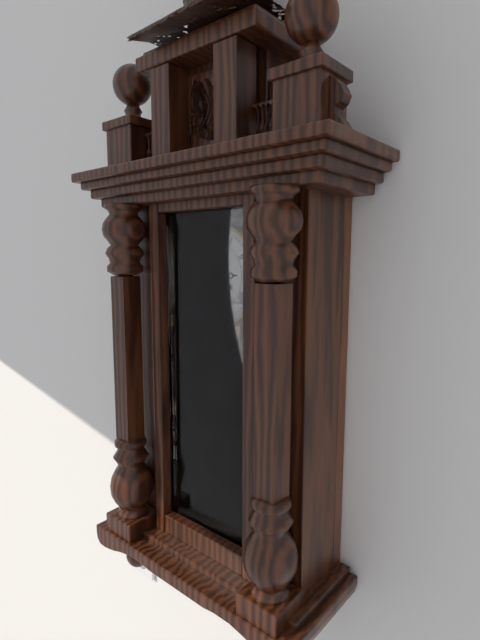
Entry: h=2 m=56
